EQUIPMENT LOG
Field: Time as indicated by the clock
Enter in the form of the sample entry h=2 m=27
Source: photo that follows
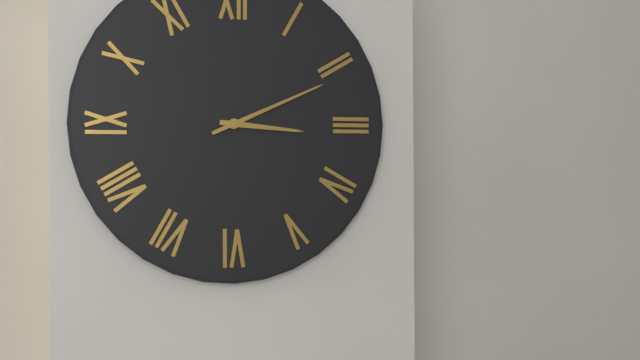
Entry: h=3 m=11
